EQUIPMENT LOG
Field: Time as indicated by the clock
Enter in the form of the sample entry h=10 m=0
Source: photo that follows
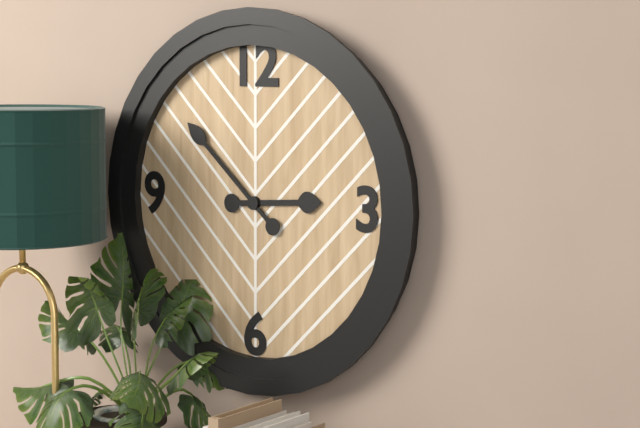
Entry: h=2 m=52
